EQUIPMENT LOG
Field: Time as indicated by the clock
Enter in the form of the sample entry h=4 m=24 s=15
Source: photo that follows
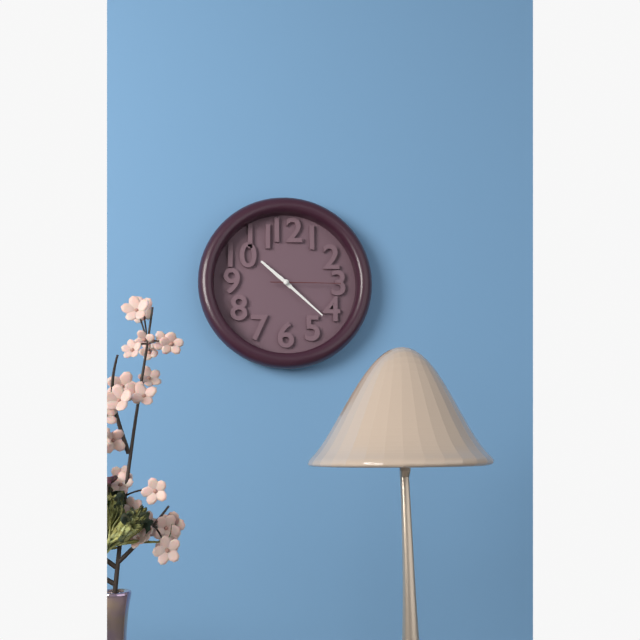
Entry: h=10 m=22 s=15
